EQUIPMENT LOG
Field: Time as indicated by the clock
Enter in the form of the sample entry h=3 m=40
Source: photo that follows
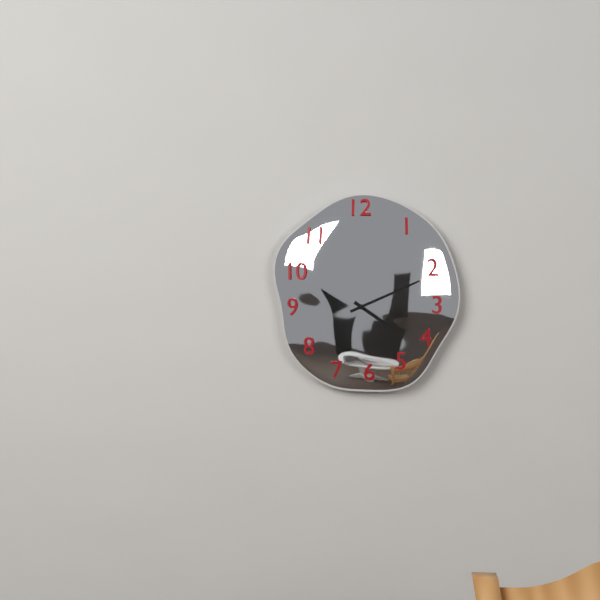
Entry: h=4 m=11
